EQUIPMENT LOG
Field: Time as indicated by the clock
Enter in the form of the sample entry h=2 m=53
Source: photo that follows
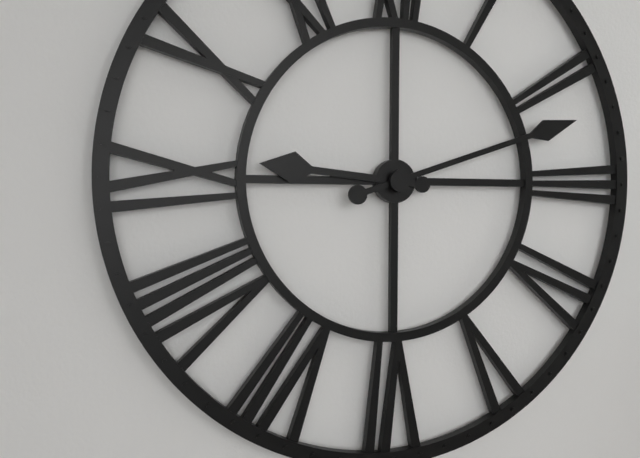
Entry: h=9 m=12
